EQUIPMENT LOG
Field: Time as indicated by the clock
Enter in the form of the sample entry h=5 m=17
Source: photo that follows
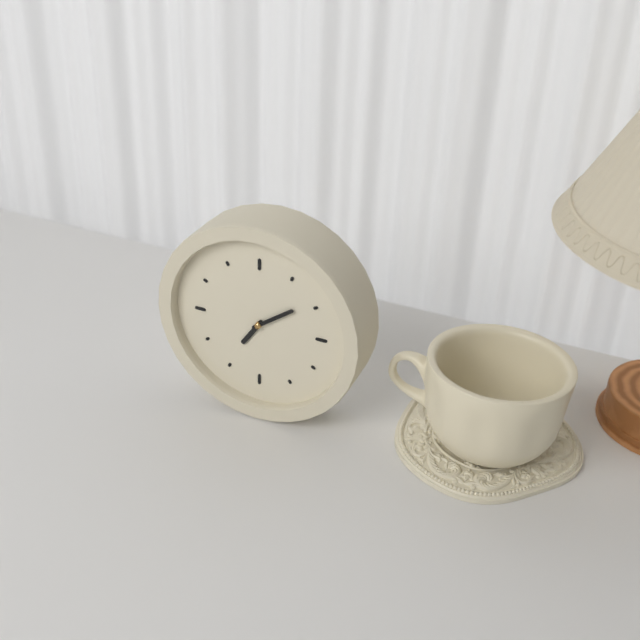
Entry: h=7 m=9
